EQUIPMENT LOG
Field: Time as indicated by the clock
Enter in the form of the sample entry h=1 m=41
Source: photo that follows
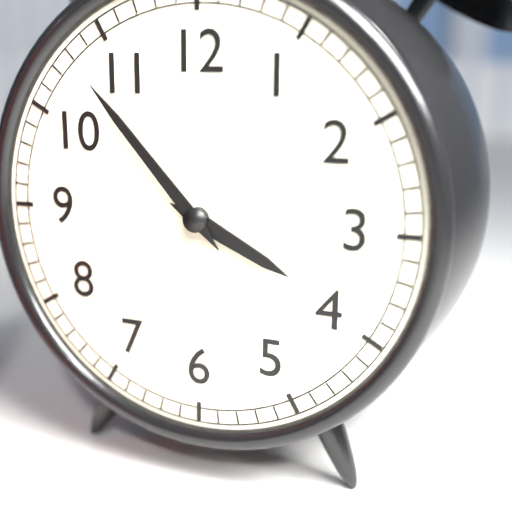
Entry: h=3 m=53
